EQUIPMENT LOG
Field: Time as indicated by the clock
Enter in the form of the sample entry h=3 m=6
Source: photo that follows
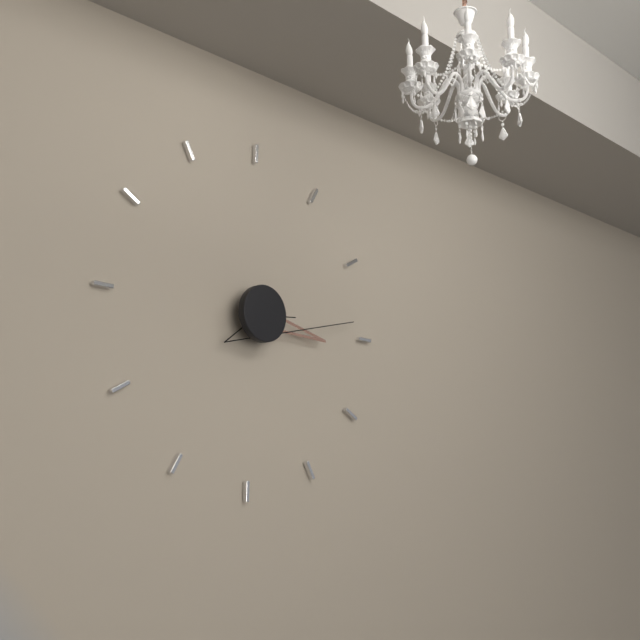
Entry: h=3 m=14
